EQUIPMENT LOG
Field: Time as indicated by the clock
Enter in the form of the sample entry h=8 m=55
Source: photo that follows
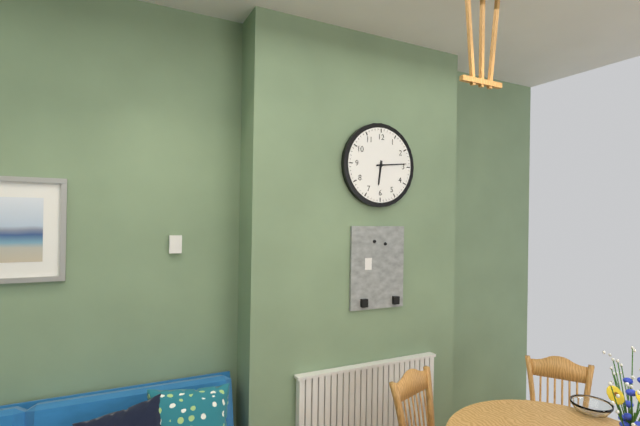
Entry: h=6 m=14
